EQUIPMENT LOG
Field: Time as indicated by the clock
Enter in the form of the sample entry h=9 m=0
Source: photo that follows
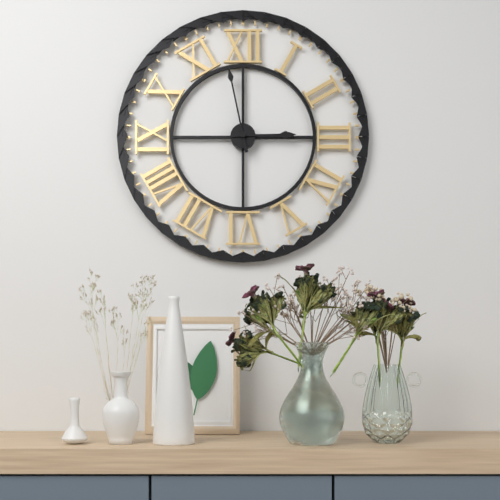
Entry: h=2 m=58
